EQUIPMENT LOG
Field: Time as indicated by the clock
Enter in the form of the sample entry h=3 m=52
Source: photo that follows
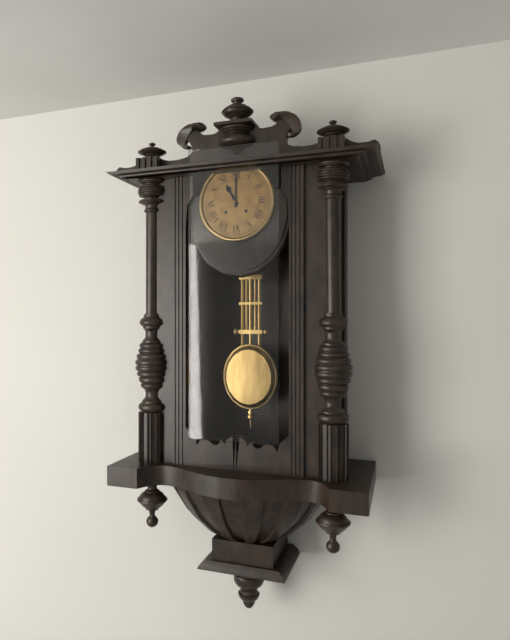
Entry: h=11 m=0
